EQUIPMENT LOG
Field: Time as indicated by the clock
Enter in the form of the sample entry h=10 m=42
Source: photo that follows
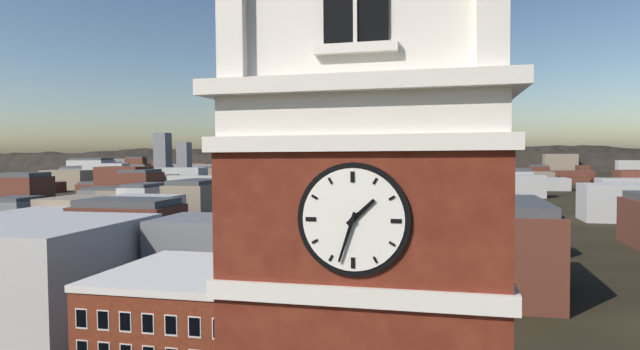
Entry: h=1 m=33
